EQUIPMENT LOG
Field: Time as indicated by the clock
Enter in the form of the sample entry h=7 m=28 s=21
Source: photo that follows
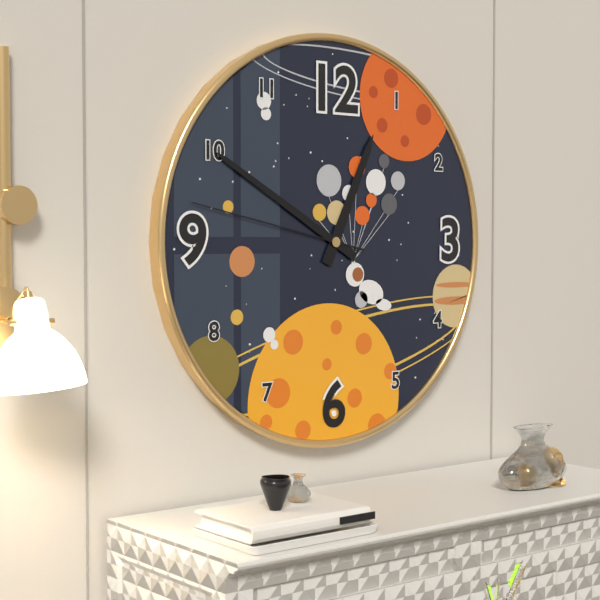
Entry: h=12 m=50 s=47
